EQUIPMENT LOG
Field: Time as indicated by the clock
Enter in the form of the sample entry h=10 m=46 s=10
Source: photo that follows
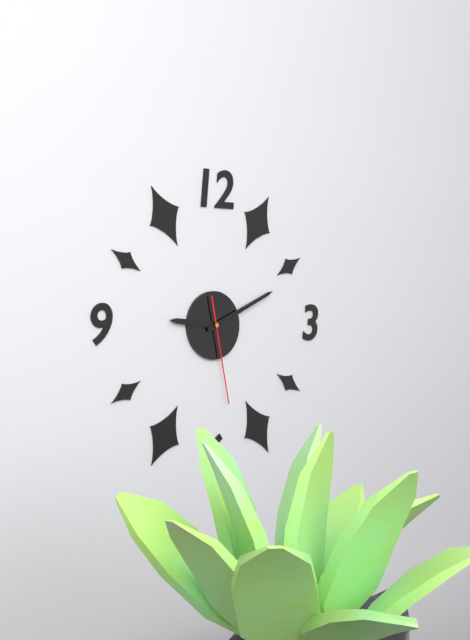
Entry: h=9 m=11 s=28
